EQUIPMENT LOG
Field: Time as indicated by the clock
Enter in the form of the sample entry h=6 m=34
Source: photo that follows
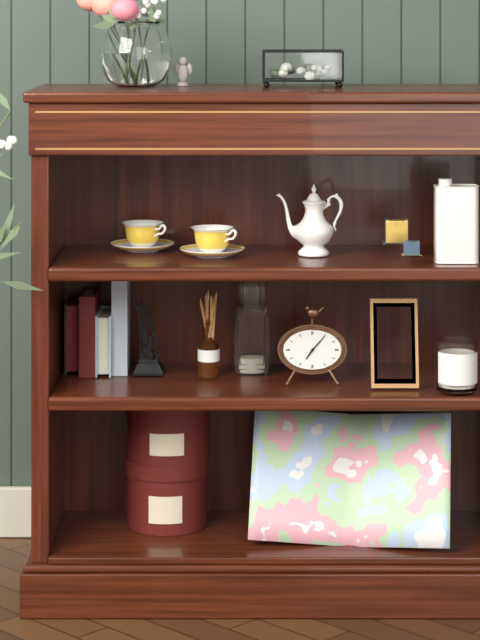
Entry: h=7 m=7
